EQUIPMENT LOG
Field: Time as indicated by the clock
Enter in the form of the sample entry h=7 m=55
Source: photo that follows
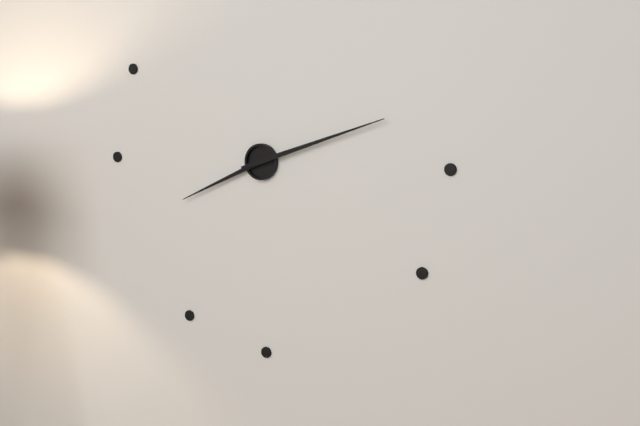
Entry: h=8 m=12
